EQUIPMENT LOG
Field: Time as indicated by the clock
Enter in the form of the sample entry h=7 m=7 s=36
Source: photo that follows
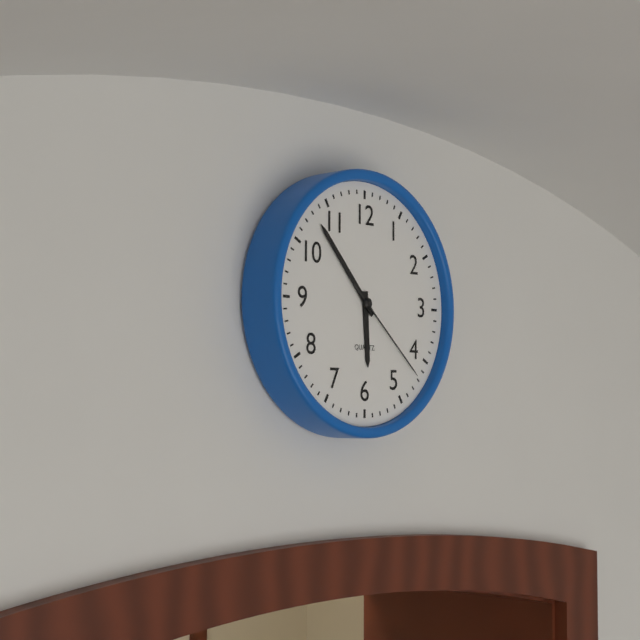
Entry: h=5 m=53 s=22
